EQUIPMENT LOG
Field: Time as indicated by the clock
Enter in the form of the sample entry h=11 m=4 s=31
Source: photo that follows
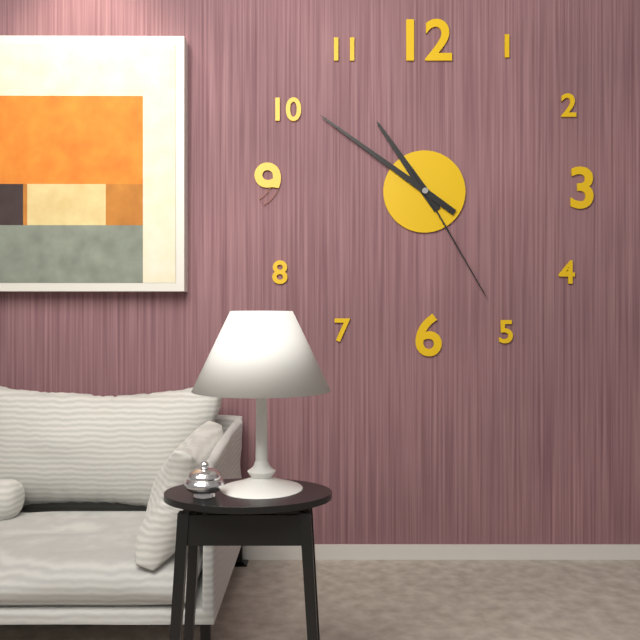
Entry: h=10 m=51 s=25
